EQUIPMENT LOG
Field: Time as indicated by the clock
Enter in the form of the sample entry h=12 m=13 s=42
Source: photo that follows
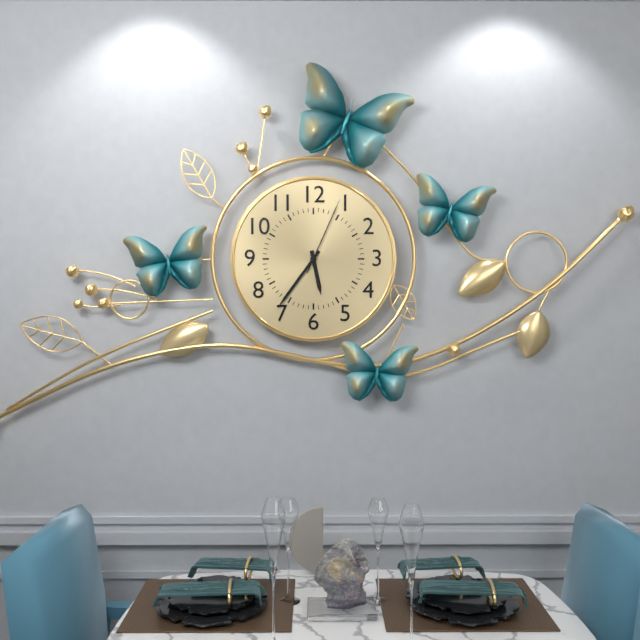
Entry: h=5 m=36 s=4
